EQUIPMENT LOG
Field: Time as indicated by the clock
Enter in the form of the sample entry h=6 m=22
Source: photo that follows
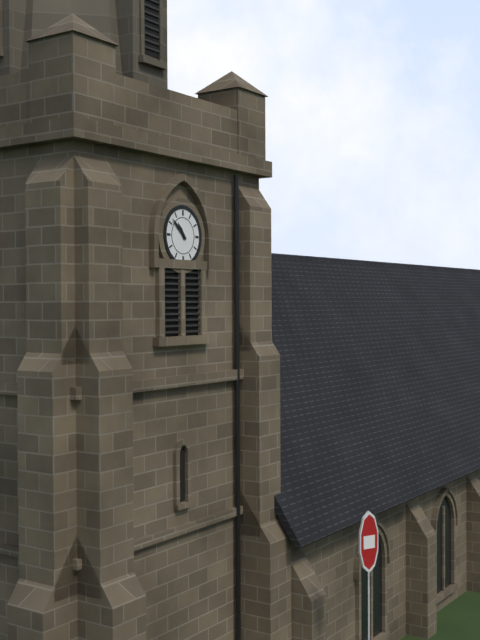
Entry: h=10 m=52
